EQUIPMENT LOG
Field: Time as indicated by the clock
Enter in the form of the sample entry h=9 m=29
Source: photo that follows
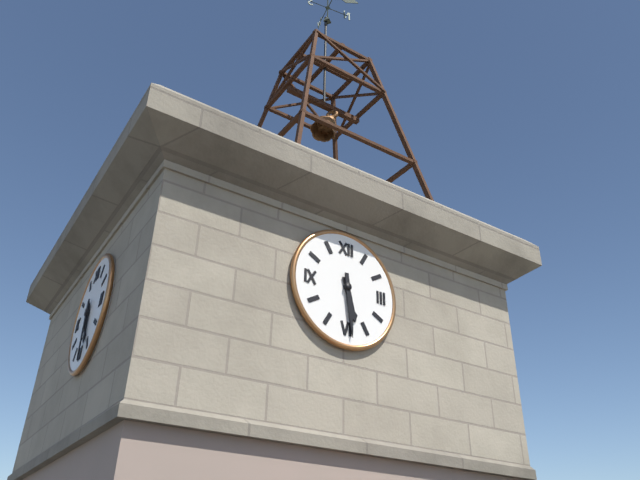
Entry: h=5 m=29
